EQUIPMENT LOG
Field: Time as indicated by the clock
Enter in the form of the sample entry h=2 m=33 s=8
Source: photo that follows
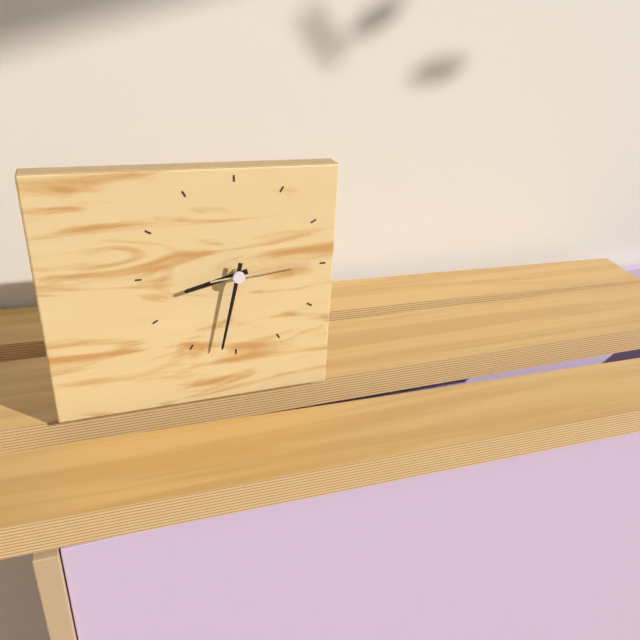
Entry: h=8 m=32 s=14
